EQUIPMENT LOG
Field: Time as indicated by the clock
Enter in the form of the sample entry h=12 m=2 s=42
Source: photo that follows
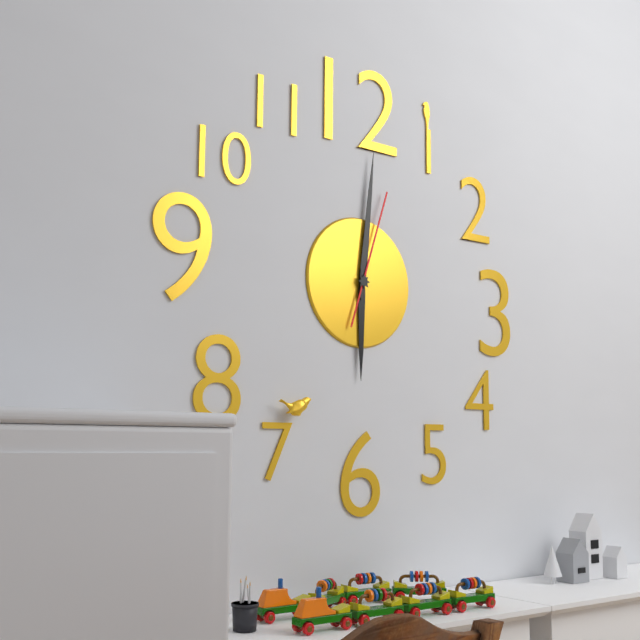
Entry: h=6 m=1 s=3
